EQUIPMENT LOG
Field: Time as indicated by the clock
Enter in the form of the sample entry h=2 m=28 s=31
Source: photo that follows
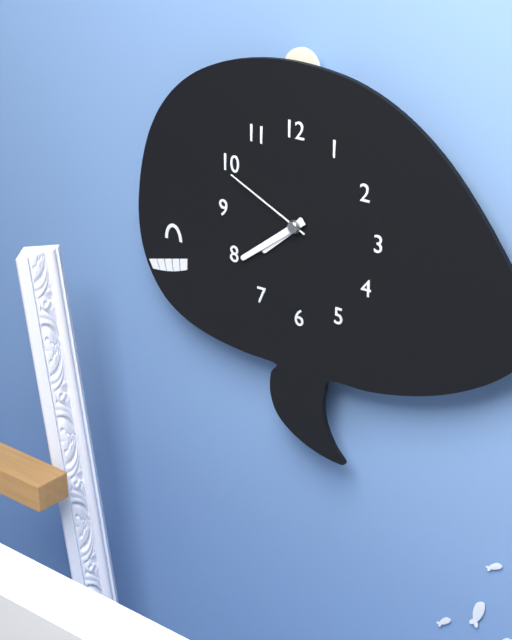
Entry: h=7 m=39 s=49
